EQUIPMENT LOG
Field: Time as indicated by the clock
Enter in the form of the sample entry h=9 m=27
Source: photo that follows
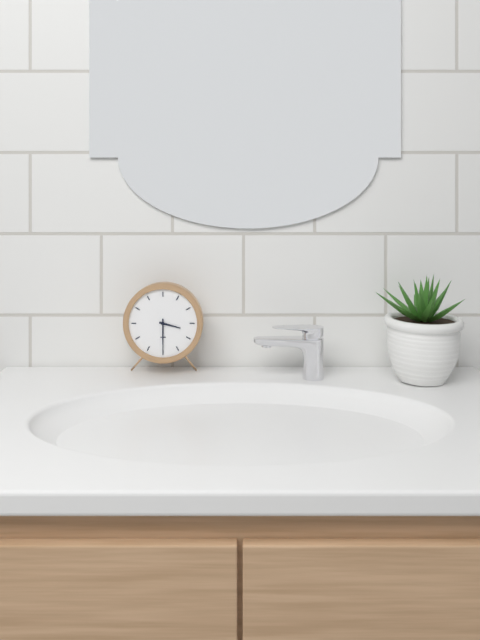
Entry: h=3 m=30
